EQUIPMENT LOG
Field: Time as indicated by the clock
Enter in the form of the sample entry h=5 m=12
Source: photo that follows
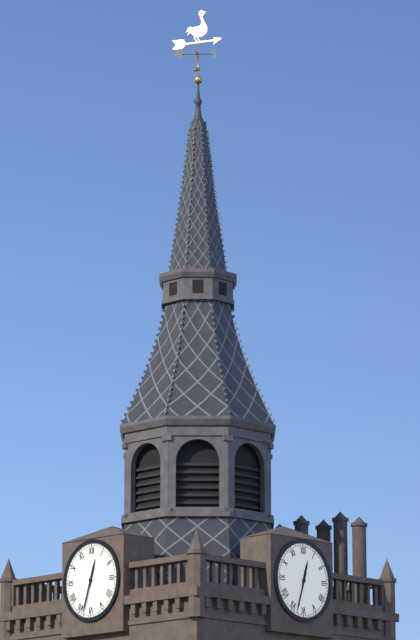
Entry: h=12 m=33
